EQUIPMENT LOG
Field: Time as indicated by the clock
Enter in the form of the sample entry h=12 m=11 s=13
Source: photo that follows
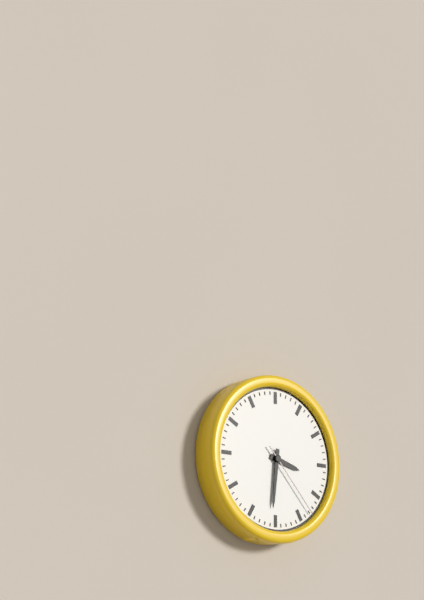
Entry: h=3 m=31 s=23
